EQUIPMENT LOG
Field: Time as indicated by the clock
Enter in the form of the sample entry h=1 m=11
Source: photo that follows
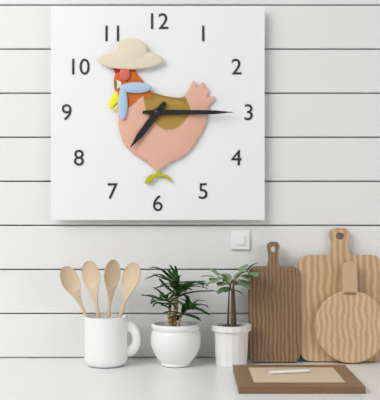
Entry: h=7 m=15
